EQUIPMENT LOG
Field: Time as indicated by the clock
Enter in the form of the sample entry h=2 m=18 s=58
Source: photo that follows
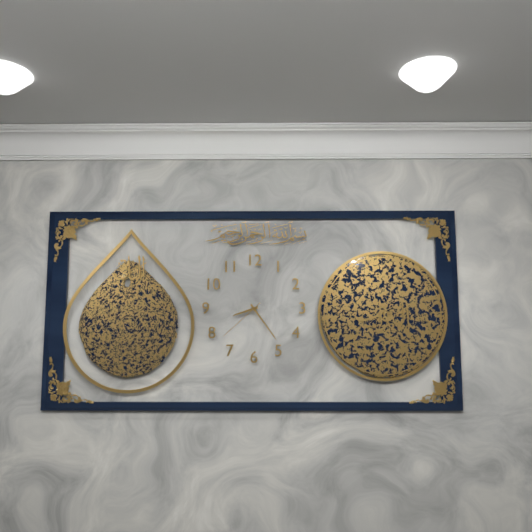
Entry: h=8 m=24 s=38
